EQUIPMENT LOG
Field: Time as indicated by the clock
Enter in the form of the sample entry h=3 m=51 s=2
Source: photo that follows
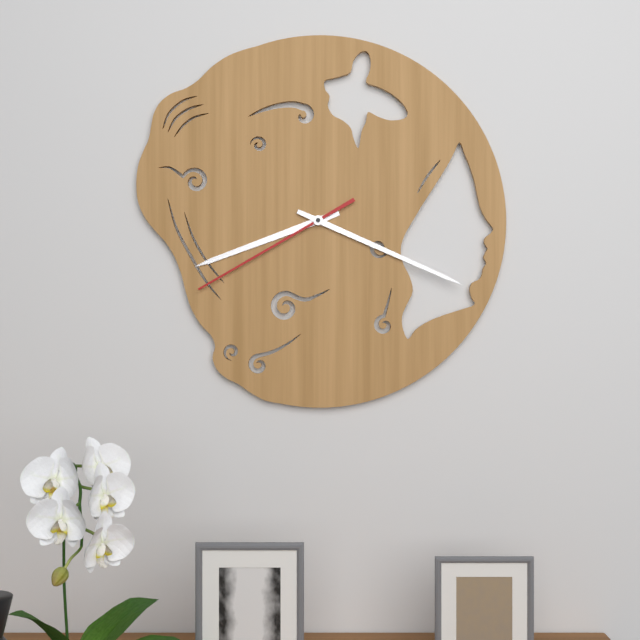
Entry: h=8 m=19 s=40
